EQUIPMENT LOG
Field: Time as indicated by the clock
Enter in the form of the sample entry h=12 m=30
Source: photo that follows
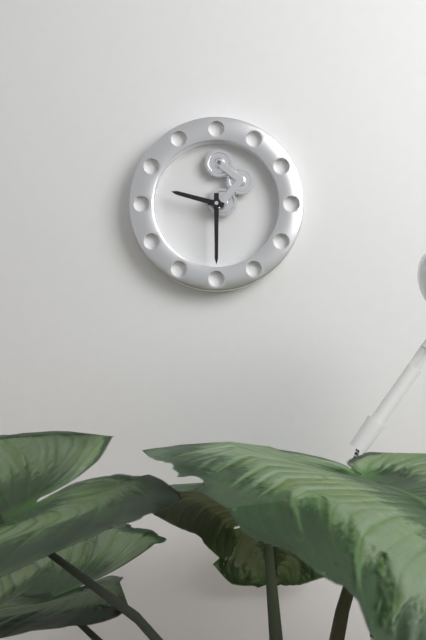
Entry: h=9 m=30
